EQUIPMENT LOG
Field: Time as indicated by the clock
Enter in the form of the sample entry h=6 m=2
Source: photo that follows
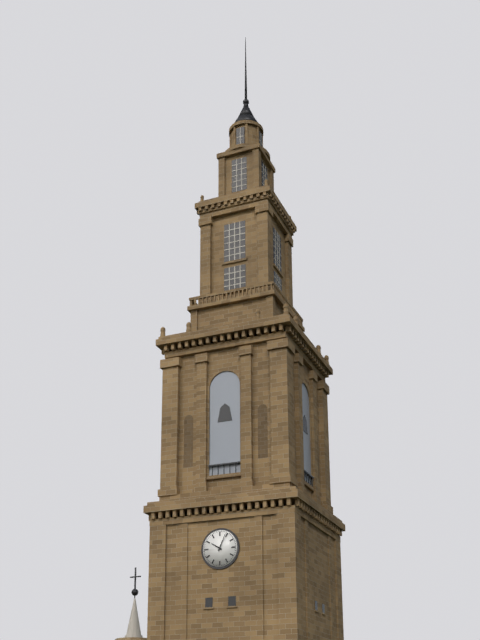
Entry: h=10 m=4
